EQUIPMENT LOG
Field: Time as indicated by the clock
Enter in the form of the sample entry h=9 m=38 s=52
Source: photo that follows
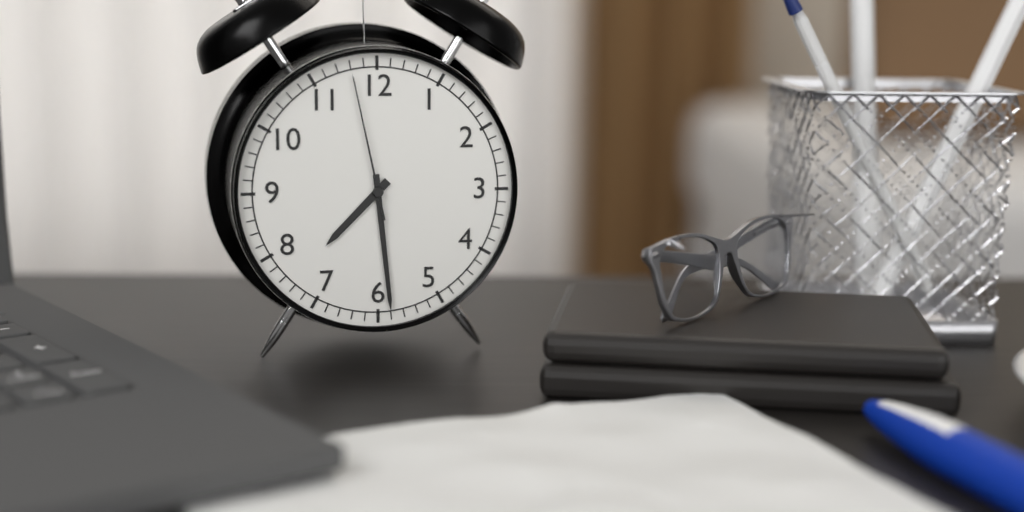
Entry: h=7 m=29 s=58
